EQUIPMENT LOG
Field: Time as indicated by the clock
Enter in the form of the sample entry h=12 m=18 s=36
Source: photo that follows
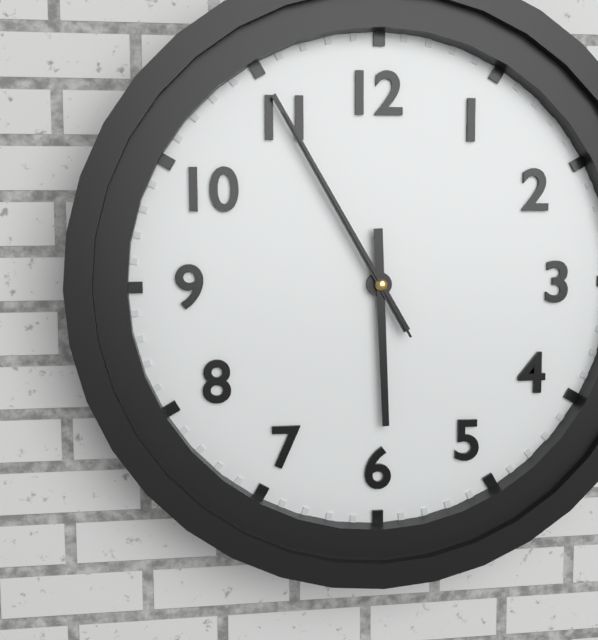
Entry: h=5 m=55 s=55
